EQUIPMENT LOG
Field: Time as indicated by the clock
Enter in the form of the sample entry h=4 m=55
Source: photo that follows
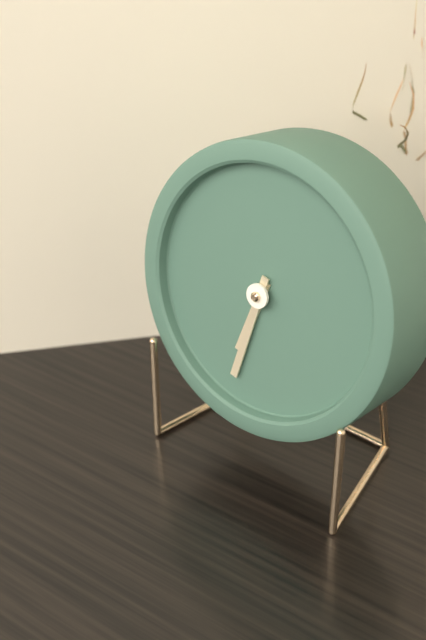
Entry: h=6 m=32
